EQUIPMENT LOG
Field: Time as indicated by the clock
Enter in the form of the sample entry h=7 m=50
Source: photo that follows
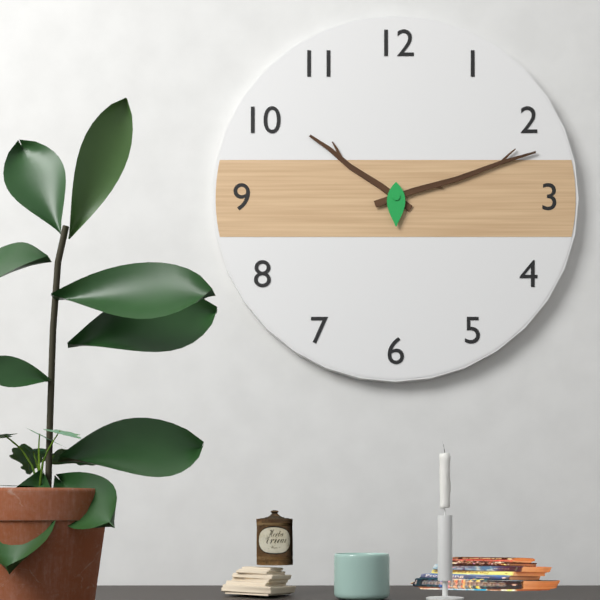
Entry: h=10 m=12
